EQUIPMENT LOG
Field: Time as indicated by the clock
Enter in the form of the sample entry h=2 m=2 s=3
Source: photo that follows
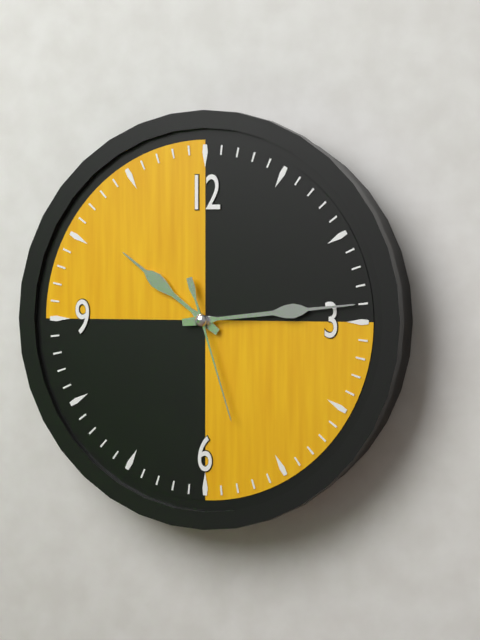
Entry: h=10 m=14 s=27
